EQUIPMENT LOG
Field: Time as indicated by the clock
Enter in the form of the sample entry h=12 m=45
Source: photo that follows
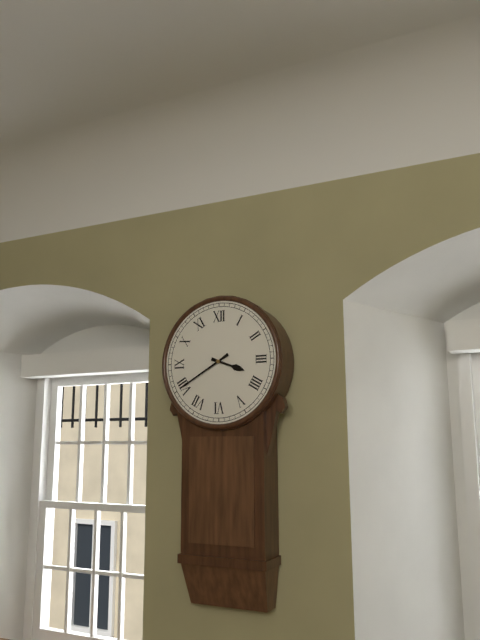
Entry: h=3 m=40
